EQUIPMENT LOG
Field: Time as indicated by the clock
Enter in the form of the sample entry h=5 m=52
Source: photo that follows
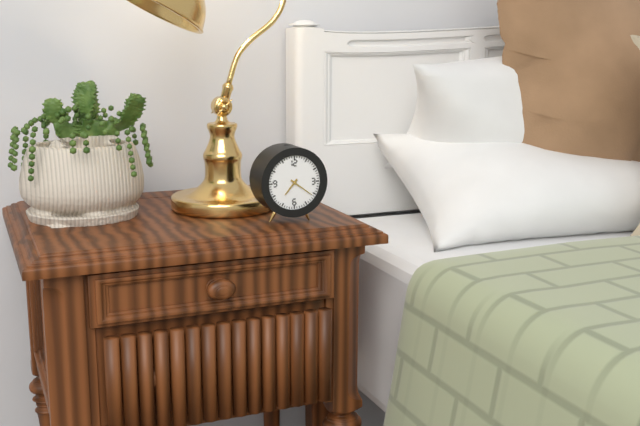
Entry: h=7 m=21
